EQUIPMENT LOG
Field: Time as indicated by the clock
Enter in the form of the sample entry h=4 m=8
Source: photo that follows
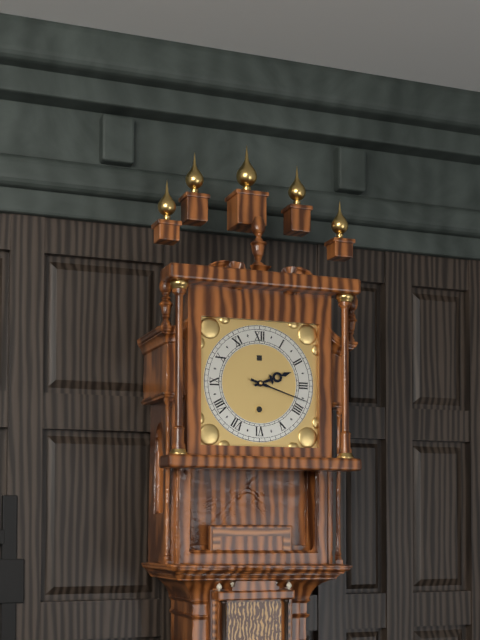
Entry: h=2 m=18
